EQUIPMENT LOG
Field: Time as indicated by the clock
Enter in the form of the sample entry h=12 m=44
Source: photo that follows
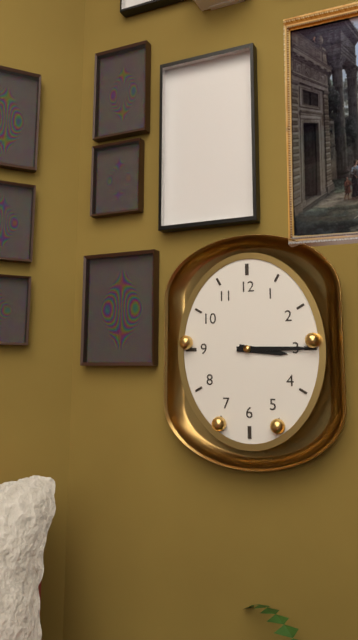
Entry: h=3 m=15
